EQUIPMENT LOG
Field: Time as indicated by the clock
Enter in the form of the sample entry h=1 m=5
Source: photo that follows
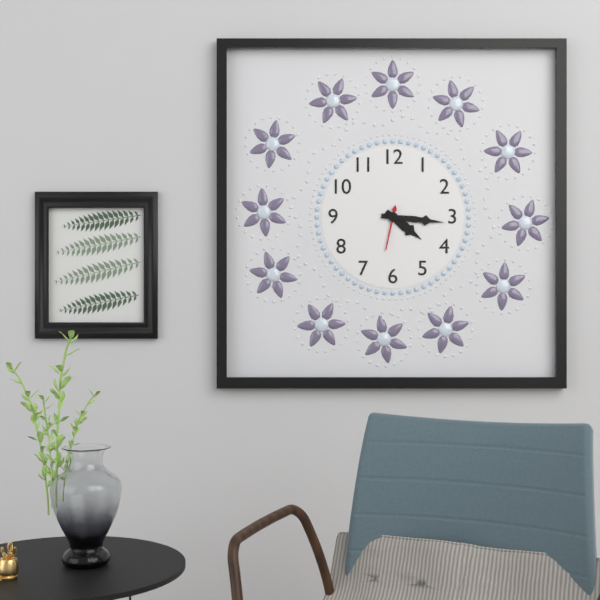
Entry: h=4 m=16
